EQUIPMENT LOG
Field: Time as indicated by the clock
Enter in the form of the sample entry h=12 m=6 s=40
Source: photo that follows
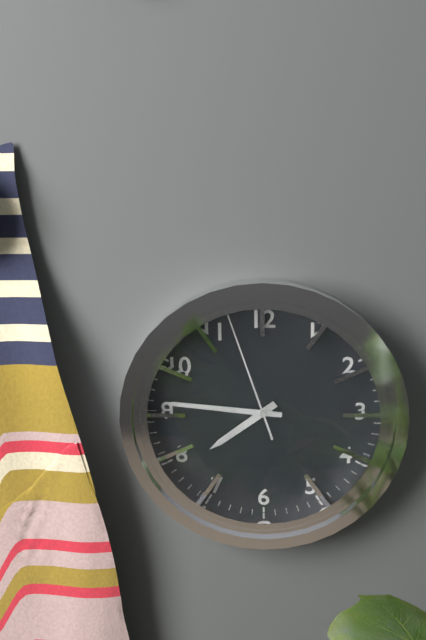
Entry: h=7 m=46 s=57
